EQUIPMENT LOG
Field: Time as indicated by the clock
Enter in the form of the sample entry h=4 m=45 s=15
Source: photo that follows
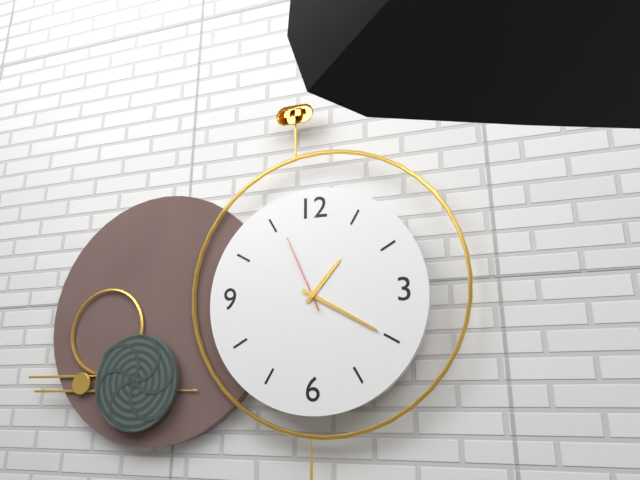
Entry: h=1 m=20 s=56
